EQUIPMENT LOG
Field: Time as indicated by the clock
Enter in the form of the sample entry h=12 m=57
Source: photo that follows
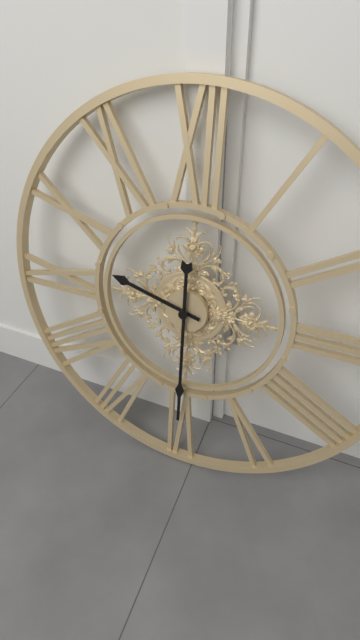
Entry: h=9 m=30
